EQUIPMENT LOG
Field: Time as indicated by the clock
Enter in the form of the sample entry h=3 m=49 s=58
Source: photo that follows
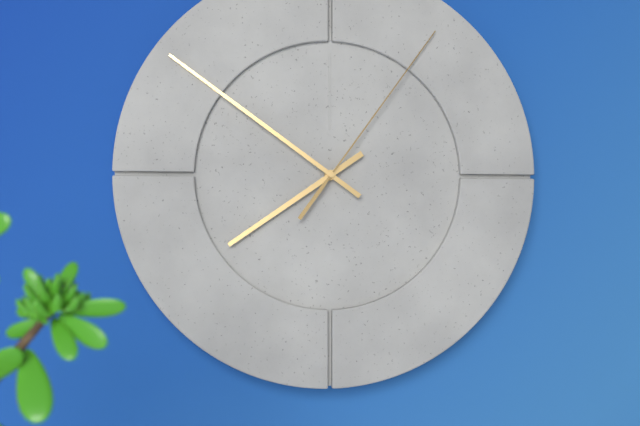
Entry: h=7 m=51 s=6
